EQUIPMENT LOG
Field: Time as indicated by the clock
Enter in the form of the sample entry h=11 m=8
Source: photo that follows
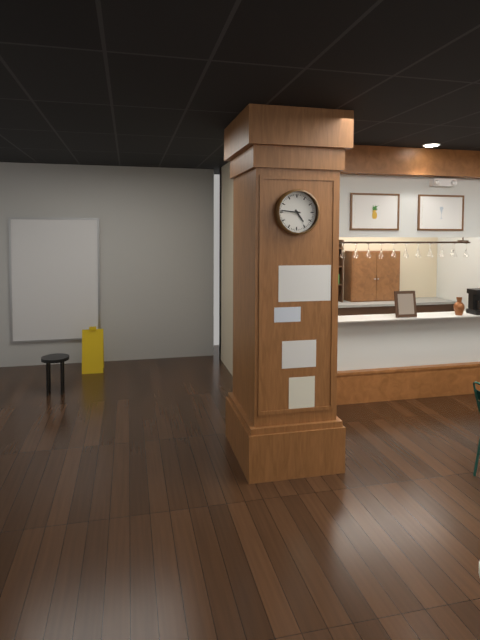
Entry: h=4 m=46
